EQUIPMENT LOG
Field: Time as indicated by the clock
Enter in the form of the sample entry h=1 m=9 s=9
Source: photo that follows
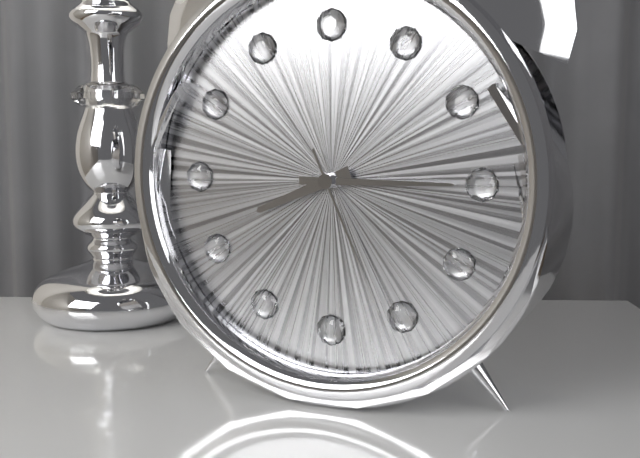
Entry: h=8 m=15 s=26
